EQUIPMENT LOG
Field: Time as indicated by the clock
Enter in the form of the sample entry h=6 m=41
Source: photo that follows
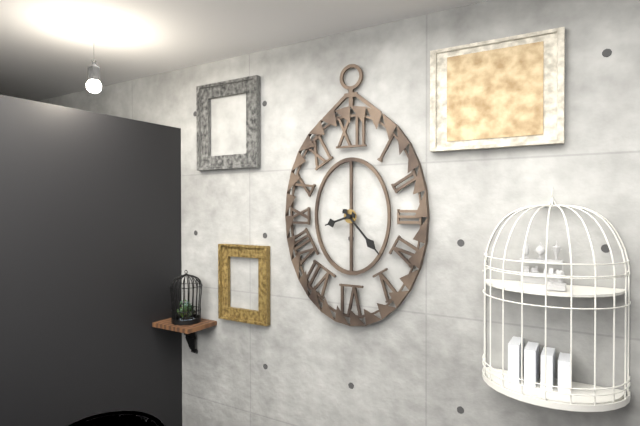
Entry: h=8 m=23
